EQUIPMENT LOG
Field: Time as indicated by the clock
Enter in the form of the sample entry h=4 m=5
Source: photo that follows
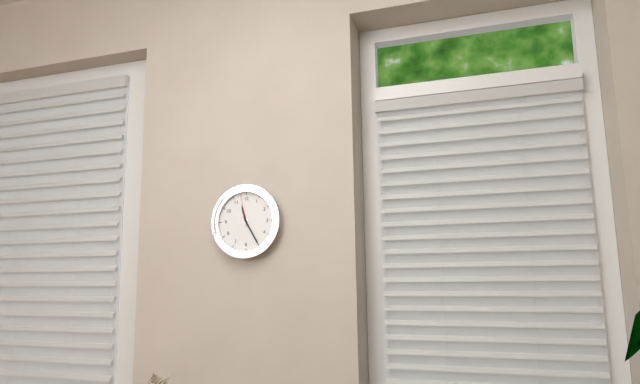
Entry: h=11 m=25
